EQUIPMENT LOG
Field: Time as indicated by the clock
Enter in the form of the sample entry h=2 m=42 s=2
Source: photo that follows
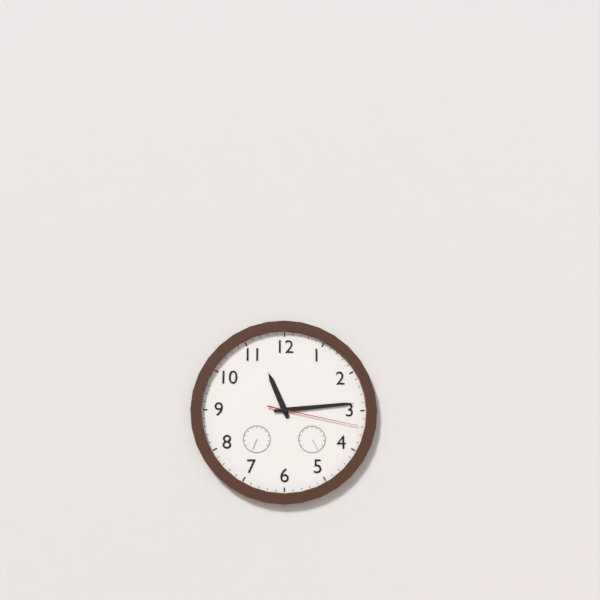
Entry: h=11 m=14 s=17
